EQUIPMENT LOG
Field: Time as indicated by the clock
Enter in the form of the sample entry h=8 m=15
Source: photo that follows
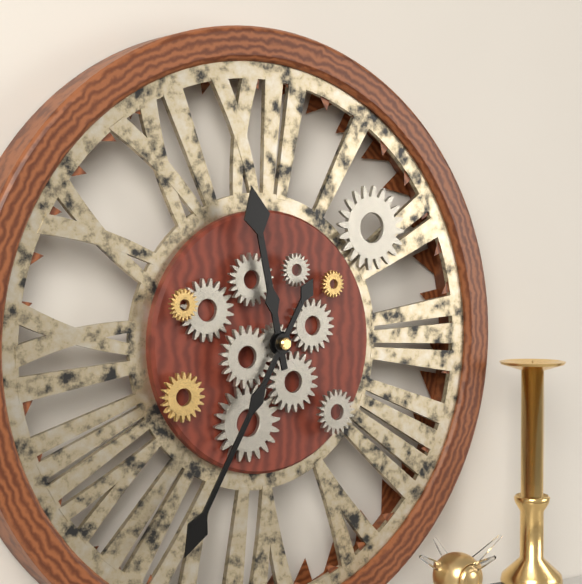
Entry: h=11 m=35
